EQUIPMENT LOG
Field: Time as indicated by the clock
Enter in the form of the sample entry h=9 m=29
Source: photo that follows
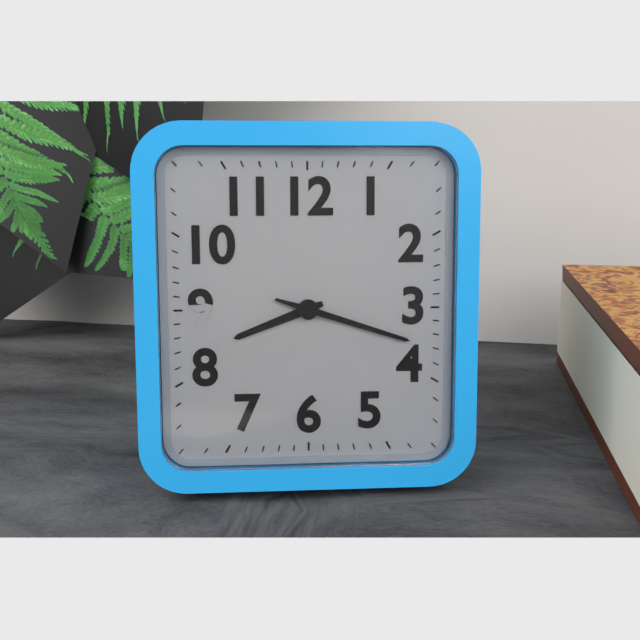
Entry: h=8 m=18
